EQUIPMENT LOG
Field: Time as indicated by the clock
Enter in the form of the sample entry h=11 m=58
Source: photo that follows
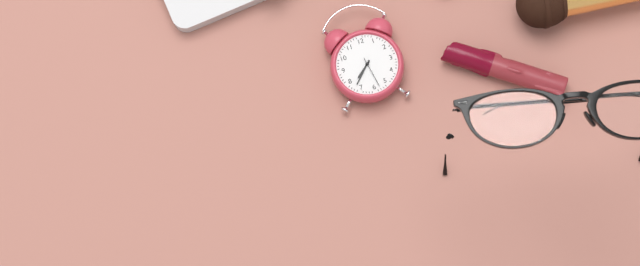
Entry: h=7 m=37
